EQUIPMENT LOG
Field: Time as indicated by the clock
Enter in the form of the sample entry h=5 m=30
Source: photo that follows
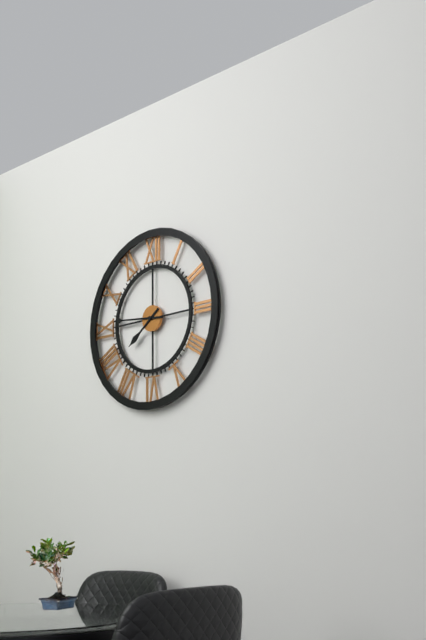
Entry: h=7 m=46
